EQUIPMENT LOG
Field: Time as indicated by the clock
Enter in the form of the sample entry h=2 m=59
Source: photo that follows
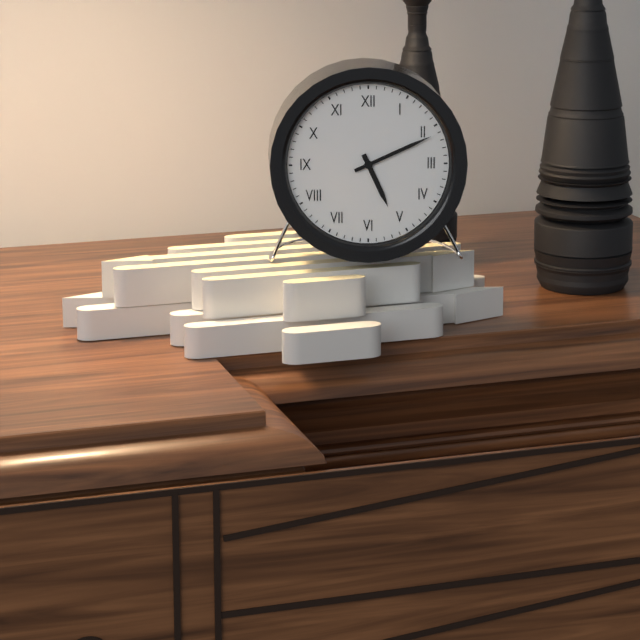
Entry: h=5 m=11
